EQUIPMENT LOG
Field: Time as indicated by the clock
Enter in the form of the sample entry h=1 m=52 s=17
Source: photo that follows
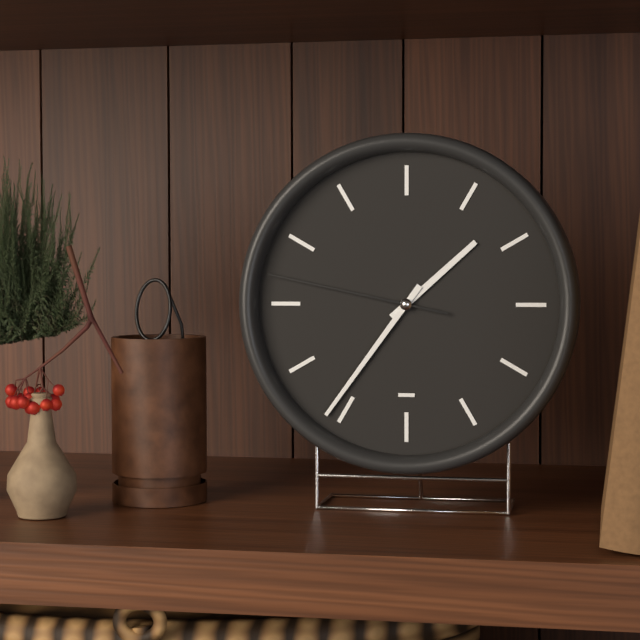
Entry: h=1 m=36 s=47
